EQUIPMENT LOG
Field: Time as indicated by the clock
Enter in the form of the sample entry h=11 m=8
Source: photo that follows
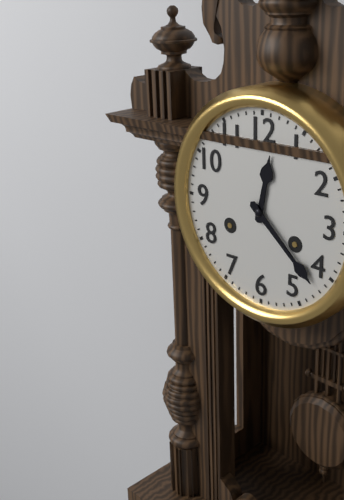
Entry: h=12 m=22
